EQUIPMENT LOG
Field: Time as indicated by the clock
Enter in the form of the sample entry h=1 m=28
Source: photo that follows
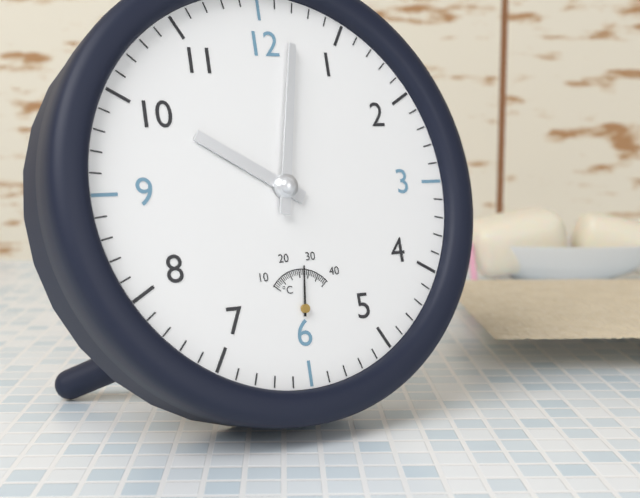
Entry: h=10 m=2
